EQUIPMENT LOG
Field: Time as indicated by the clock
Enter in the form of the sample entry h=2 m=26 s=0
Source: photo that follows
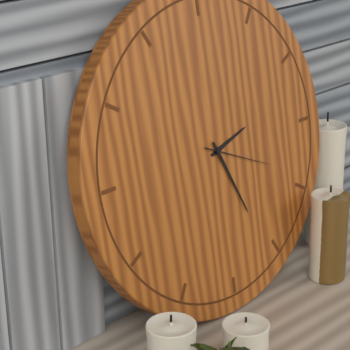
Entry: h=2 m=26 s=19
